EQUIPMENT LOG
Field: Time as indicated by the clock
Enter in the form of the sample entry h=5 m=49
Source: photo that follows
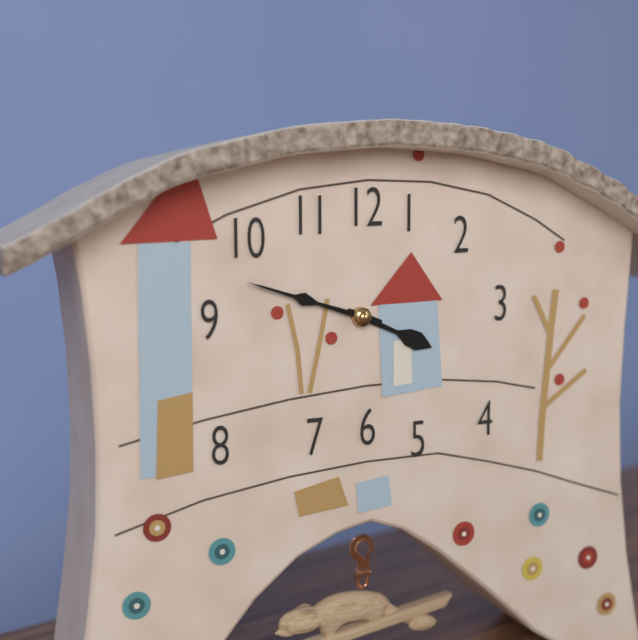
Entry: h=3 m=48
